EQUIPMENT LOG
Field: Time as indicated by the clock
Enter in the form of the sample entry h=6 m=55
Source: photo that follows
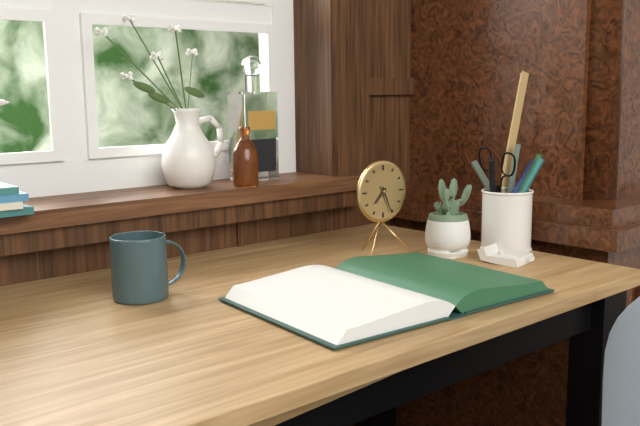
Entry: h=7 m=26
